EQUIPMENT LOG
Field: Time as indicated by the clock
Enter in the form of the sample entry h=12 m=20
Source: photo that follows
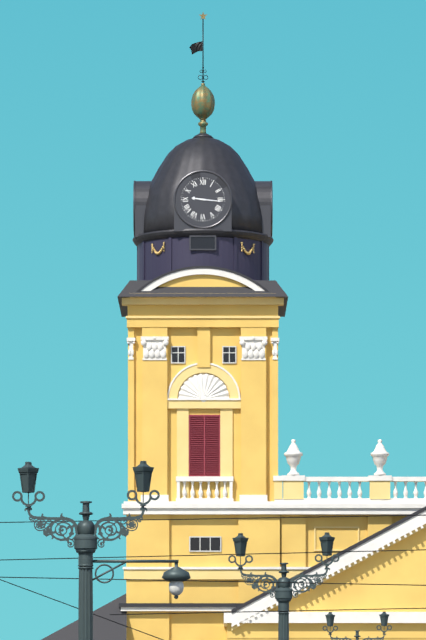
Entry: h=9 m=16
